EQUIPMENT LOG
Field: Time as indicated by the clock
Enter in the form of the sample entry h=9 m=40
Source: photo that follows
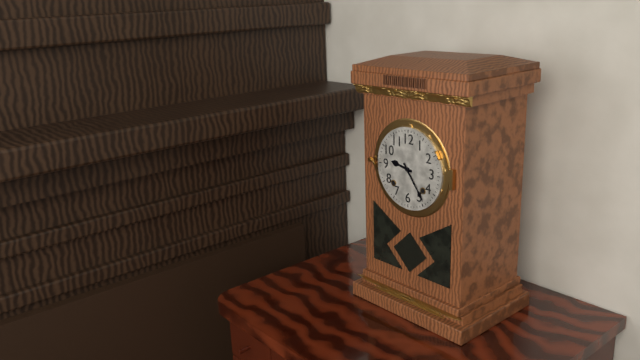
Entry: h=9 m=24
